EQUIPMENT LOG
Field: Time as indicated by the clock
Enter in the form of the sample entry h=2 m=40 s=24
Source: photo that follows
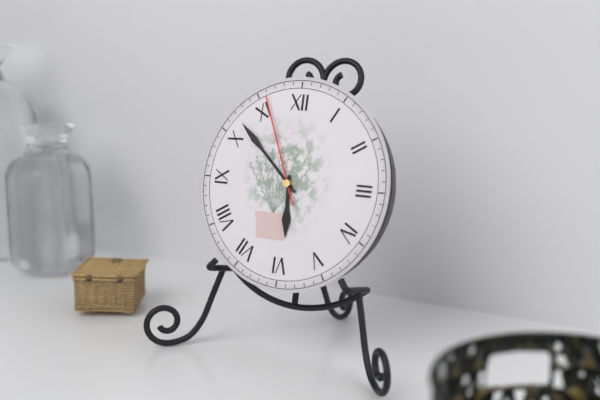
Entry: h=5 m=52 s=56
